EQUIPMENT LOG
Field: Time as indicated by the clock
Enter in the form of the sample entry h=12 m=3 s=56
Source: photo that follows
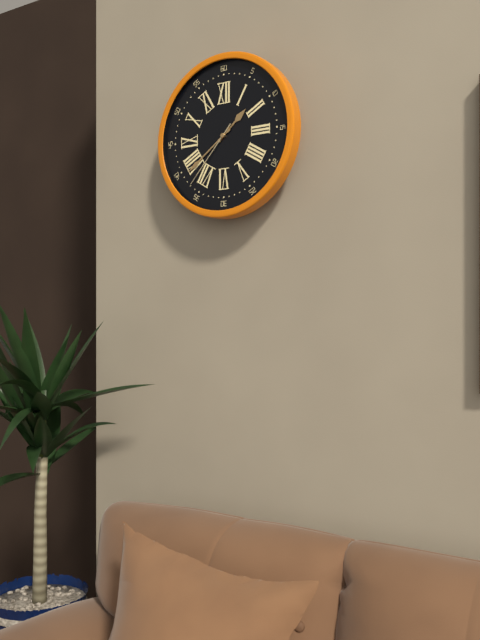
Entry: h=1 m=39 s=37
